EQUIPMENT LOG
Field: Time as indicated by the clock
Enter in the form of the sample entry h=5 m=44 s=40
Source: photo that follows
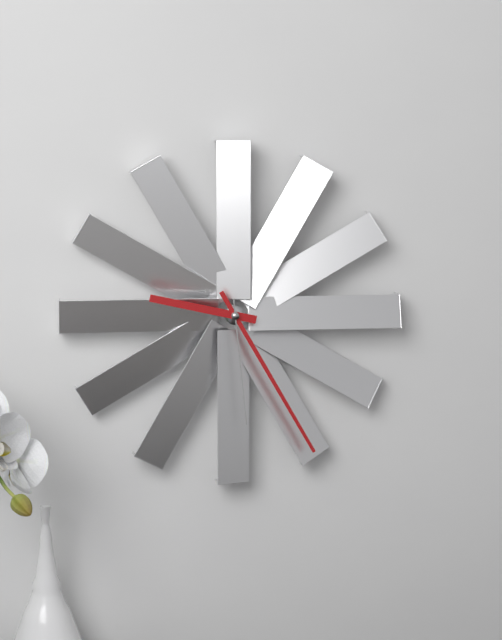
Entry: h=9 m=25 s=29
